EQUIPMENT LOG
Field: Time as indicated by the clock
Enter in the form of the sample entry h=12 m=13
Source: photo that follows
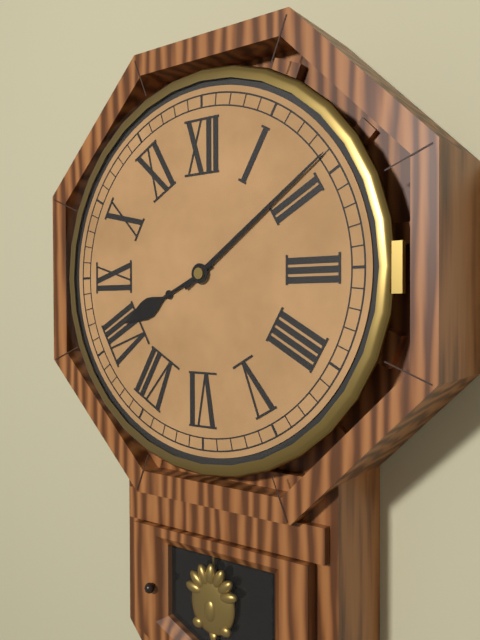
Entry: h=8 m=9
